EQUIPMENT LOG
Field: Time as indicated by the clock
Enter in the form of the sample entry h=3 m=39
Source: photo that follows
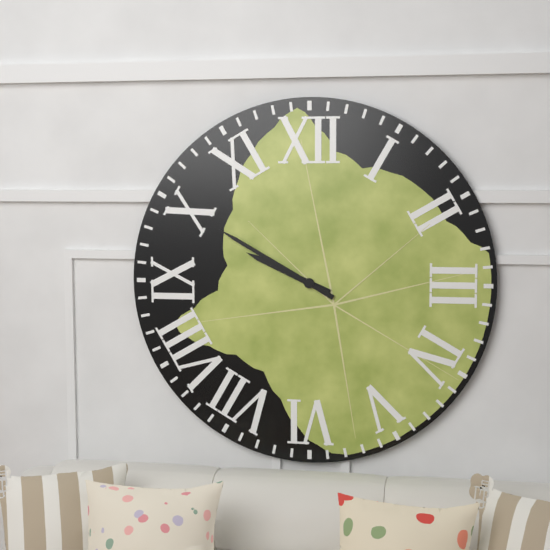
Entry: h=9 m=50
